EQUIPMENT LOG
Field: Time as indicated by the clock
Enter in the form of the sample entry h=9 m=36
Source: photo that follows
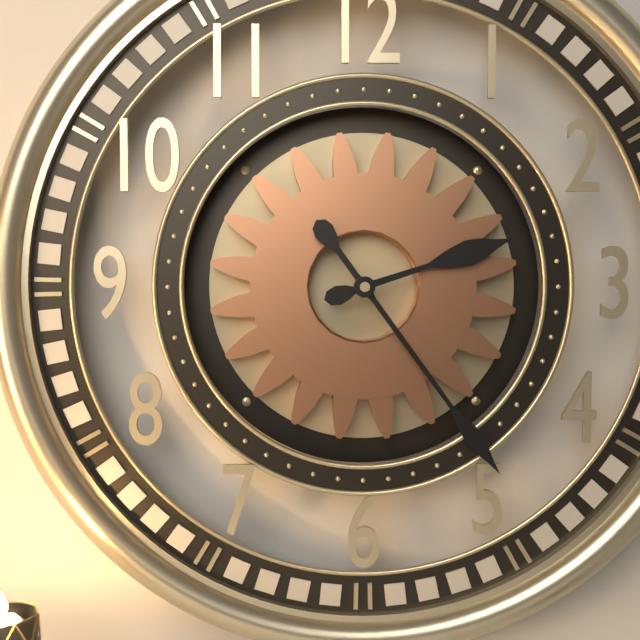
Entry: h=2 m=24
